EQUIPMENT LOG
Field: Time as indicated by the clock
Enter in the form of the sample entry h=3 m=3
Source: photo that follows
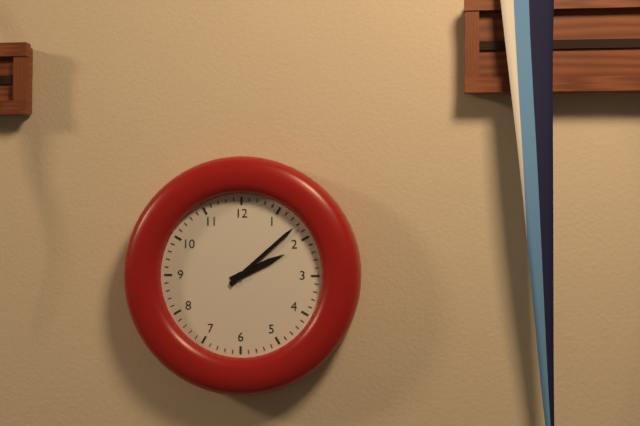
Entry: h=2 m=8
